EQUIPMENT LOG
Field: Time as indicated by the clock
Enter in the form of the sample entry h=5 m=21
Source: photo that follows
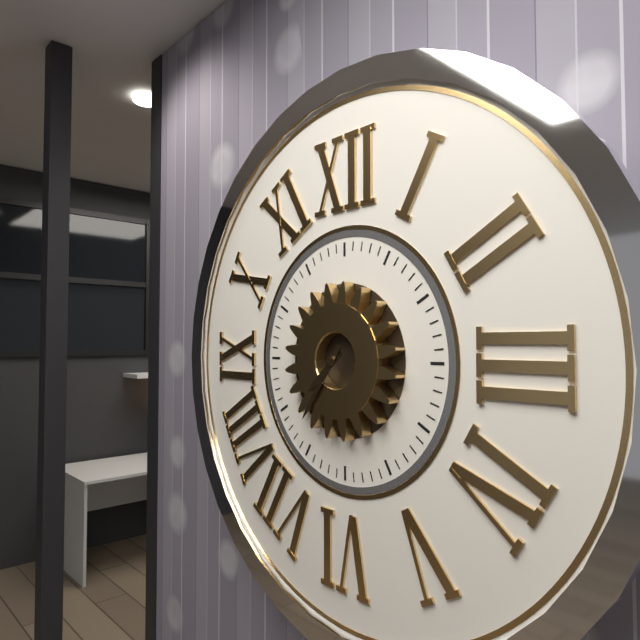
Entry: h=7 m=36
